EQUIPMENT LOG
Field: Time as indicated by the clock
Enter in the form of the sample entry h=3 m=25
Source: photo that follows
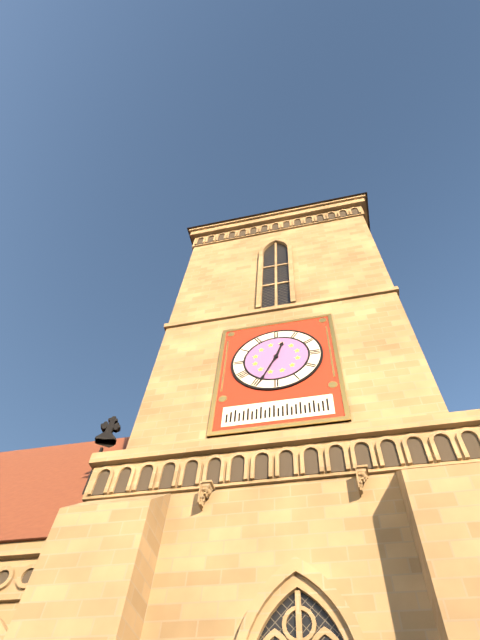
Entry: h=12 m=34
